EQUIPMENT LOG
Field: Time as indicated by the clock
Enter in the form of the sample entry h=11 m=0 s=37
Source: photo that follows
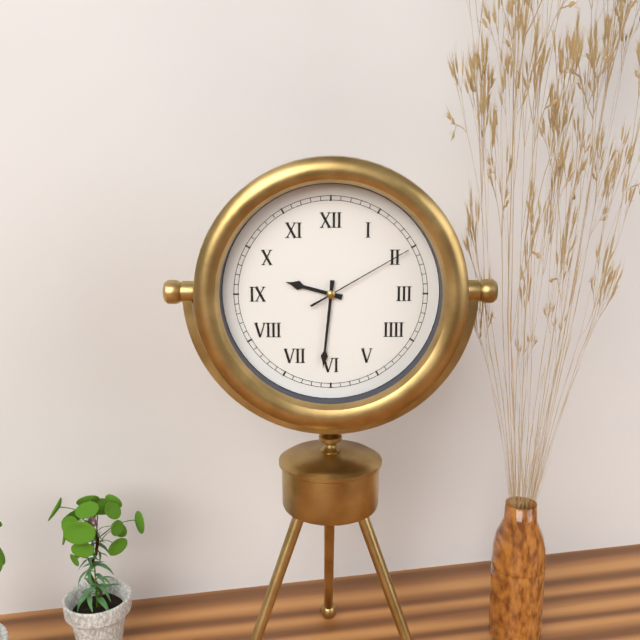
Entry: h=9 m=31 s=10
